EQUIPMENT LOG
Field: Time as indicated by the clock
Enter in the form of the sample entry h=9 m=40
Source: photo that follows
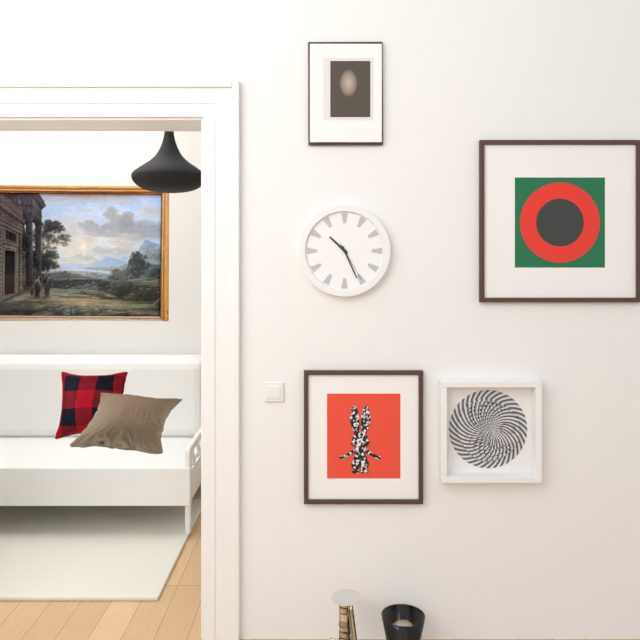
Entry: h=10 m=26
